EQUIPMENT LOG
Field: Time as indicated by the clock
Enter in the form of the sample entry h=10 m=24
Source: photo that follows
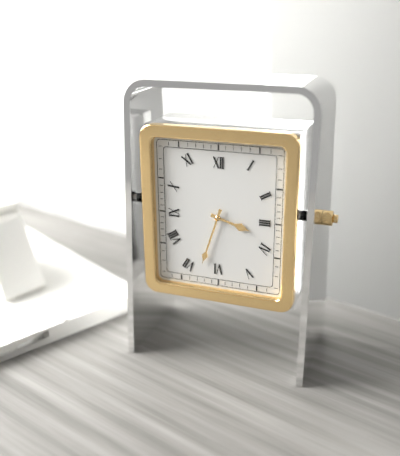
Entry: h=3 m=33
